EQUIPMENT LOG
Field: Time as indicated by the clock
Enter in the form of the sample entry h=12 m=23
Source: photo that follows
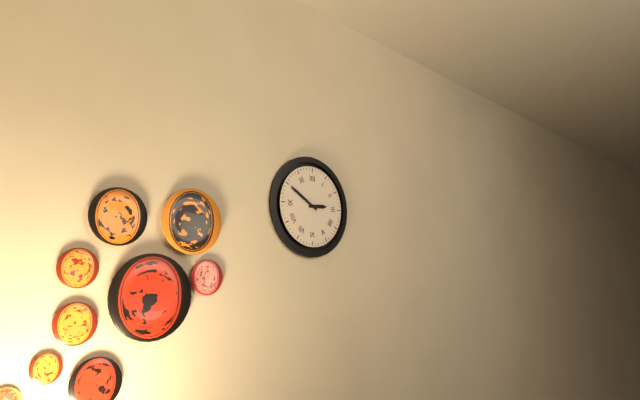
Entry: h=2 m=50
